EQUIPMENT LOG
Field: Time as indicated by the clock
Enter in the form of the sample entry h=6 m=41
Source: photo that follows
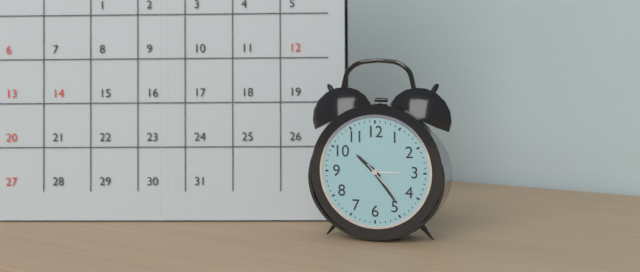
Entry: h=10 m=24
